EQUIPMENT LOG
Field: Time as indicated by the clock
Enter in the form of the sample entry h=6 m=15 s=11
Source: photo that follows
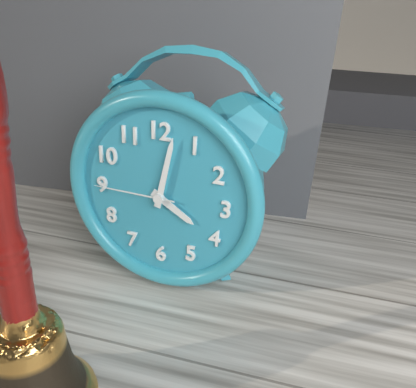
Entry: h=4 m=2 s=45
